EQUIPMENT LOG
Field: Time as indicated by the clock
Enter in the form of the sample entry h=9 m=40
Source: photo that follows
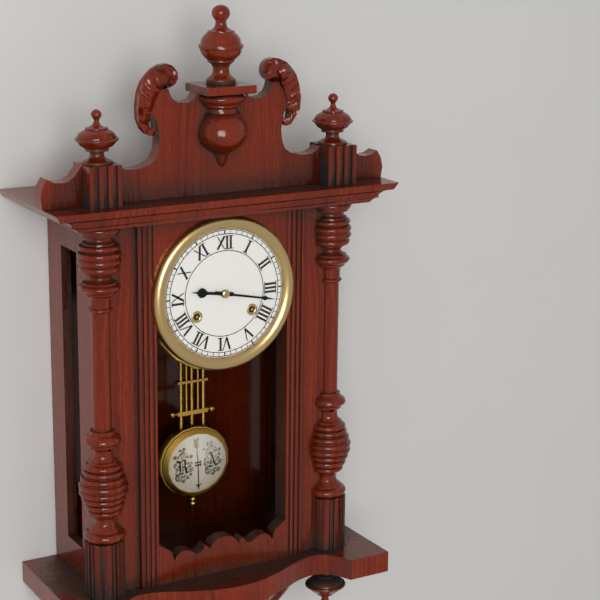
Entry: h=9 m=17
